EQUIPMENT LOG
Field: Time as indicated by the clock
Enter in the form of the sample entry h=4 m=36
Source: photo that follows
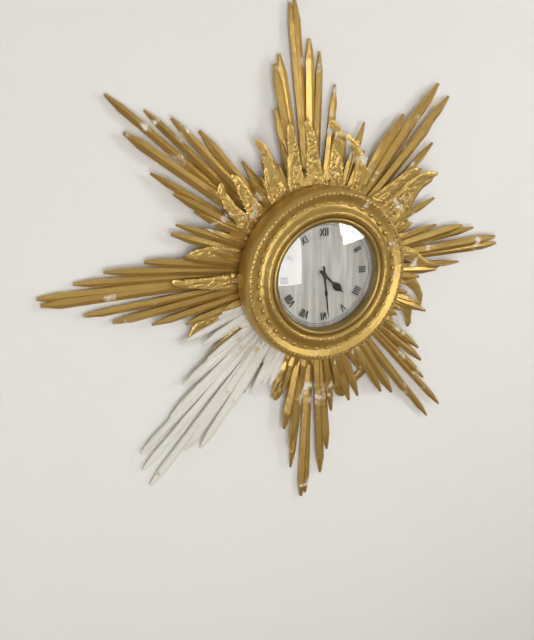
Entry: h=4 m=29
